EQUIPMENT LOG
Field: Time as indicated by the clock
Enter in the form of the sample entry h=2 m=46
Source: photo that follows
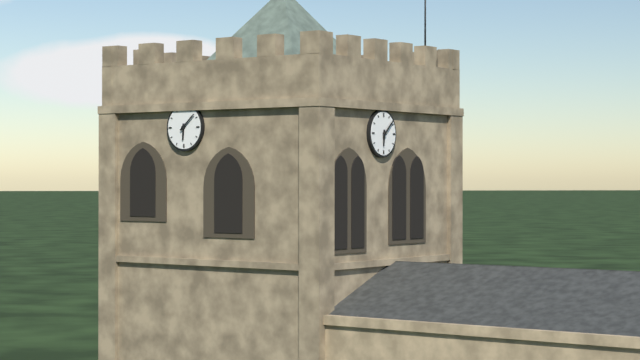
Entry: h=6 m=8
